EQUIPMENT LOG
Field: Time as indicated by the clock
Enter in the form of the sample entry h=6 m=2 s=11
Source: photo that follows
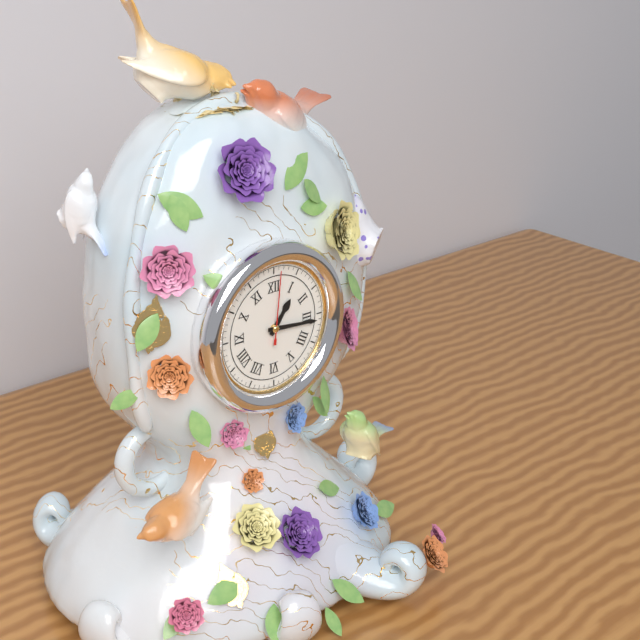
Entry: h=1 m=16 s=1
